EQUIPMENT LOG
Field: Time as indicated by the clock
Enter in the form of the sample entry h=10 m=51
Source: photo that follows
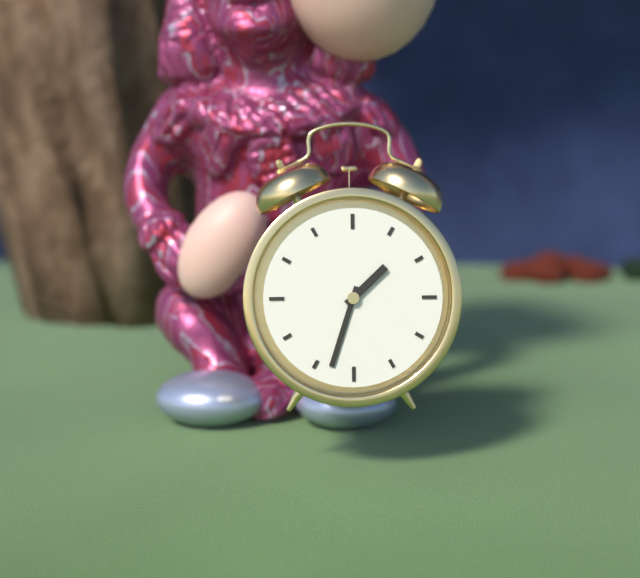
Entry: h=1 m=33
